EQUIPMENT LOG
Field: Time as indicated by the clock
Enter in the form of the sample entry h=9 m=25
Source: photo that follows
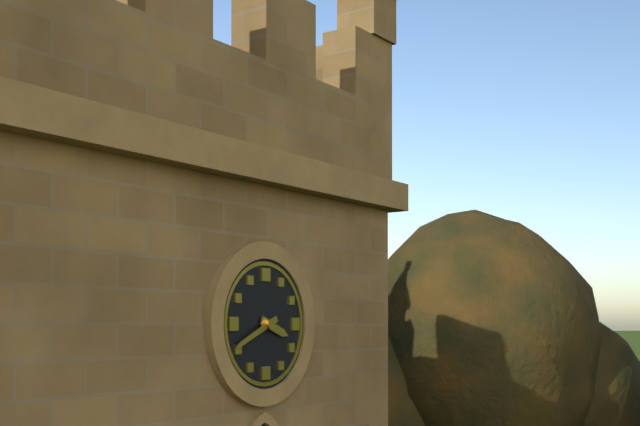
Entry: h=3 m=41
